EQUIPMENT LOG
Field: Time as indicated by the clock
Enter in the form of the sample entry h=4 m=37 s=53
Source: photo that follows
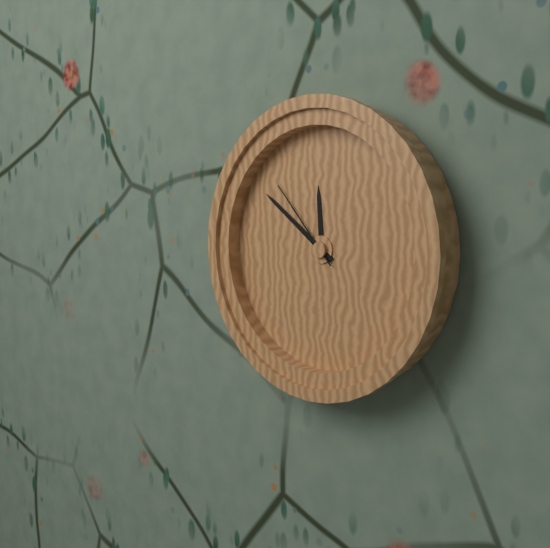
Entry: h=11 m=51 s=53
